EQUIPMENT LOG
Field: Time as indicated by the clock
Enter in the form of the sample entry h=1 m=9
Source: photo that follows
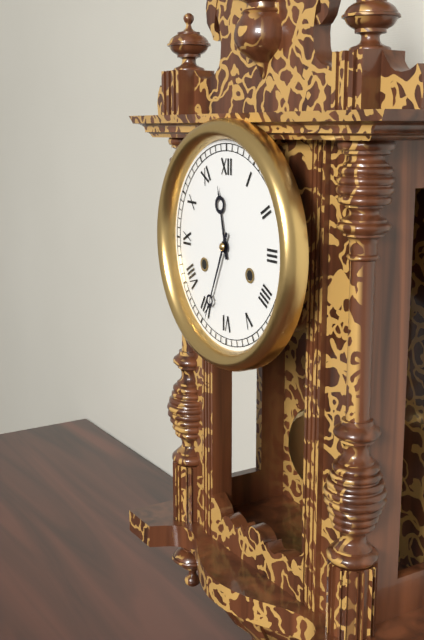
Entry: h=11 m=34
